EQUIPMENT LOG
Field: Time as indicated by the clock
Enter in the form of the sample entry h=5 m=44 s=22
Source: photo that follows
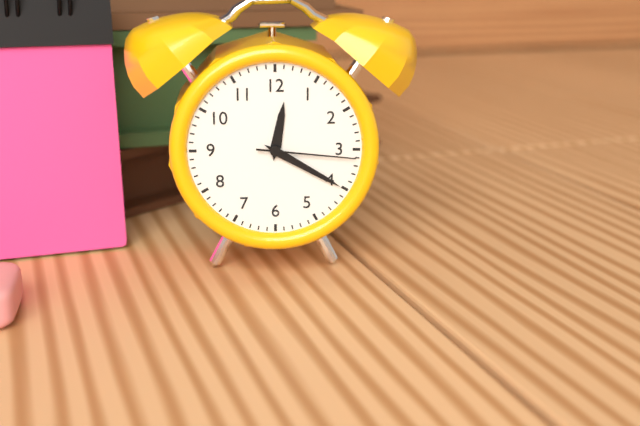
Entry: h=12 m=20 s=16
